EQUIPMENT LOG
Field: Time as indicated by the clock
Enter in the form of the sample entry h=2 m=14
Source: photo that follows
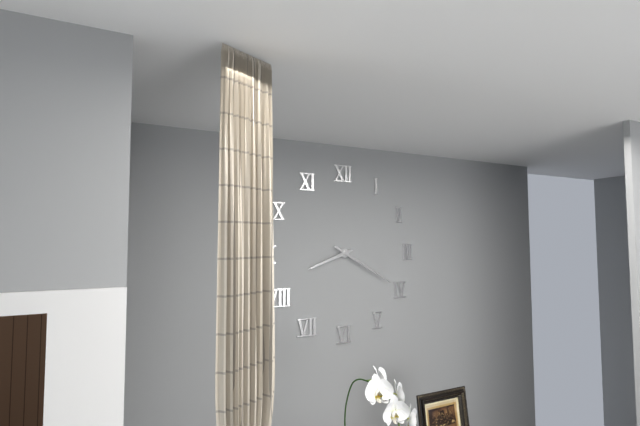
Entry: h=8 m=20
